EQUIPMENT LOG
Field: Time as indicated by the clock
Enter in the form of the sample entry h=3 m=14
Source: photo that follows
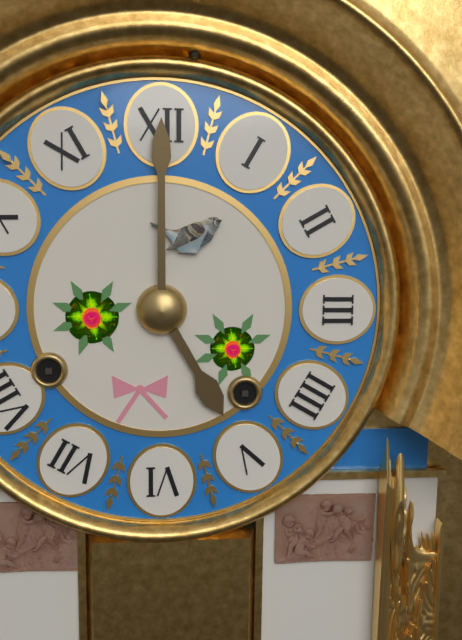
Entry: h=5 m=0
